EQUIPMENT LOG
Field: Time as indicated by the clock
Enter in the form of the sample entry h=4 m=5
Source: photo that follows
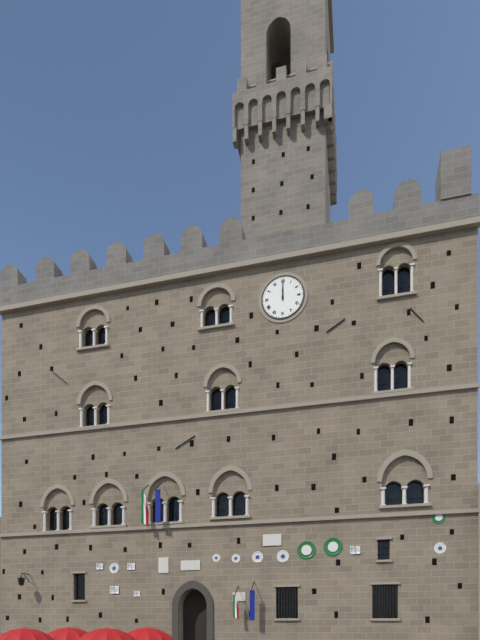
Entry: h=12 m=0
